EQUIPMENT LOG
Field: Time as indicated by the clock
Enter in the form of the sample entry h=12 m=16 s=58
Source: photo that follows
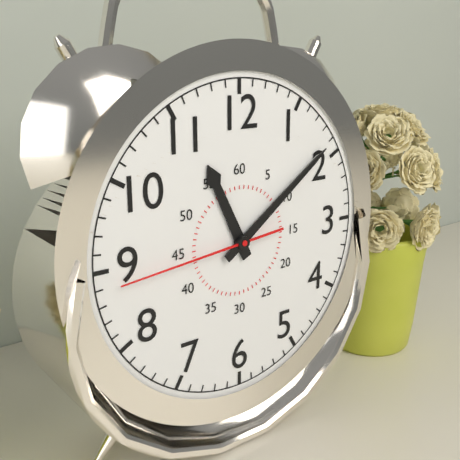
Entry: h=11 m=9 s=44
